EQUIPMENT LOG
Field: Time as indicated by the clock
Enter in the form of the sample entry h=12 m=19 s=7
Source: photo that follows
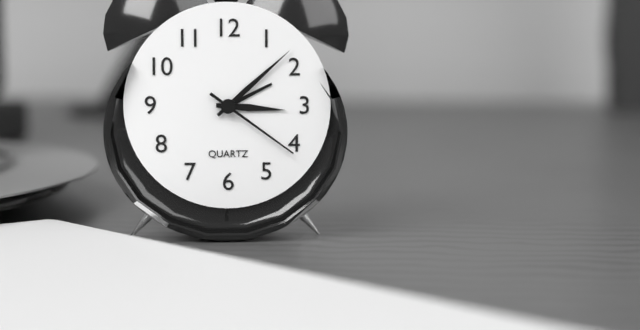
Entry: h=3 m=8 s=21
